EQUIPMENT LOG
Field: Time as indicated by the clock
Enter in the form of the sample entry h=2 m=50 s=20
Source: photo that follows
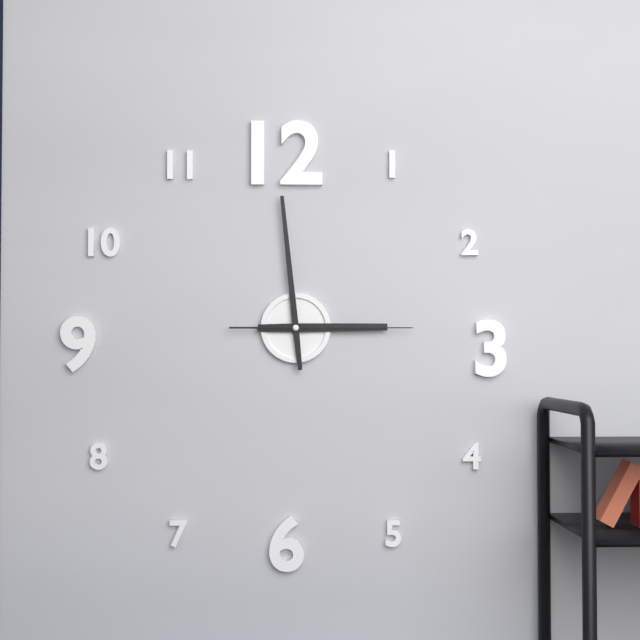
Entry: h=2 m=59 s=15
